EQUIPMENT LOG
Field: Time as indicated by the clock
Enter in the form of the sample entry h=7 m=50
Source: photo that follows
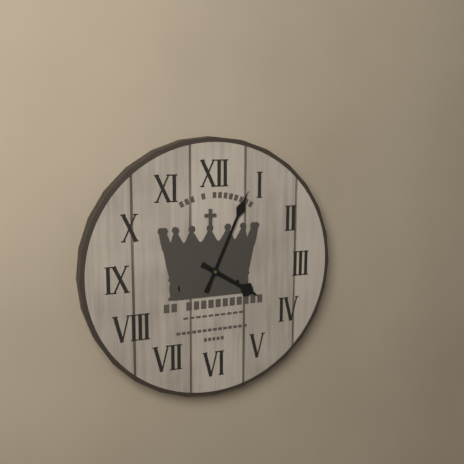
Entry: h=4 m=4
